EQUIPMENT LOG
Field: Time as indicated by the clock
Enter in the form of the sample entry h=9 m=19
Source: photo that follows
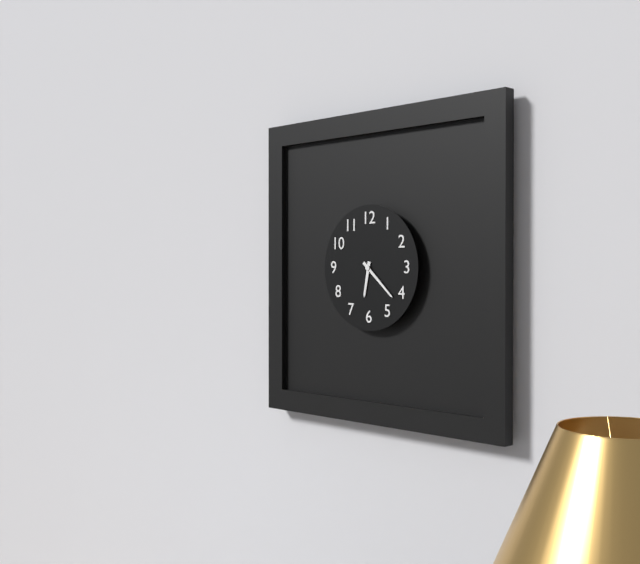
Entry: h=6 m=22
